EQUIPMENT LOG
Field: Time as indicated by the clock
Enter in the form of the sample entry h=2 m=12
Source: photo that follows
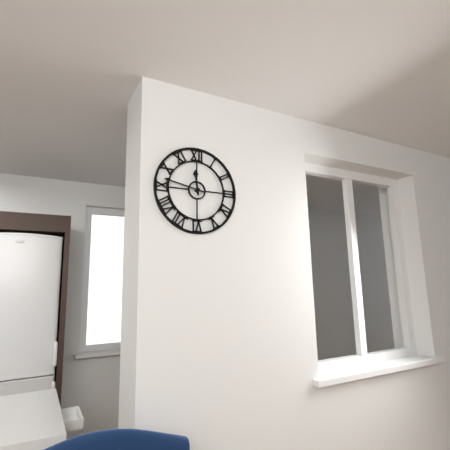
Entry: h=11 m=47
